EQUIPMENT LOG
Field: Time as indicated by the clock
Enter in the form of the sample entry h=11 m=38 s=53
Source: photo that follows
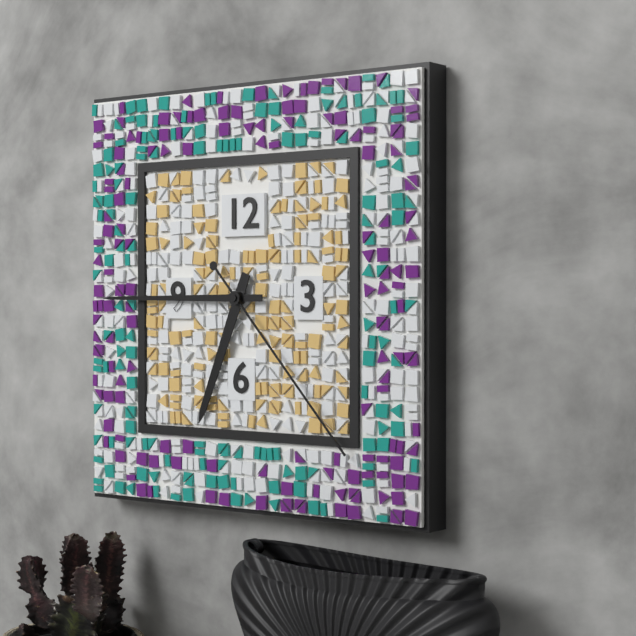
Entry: h=6 m=45 s=23
